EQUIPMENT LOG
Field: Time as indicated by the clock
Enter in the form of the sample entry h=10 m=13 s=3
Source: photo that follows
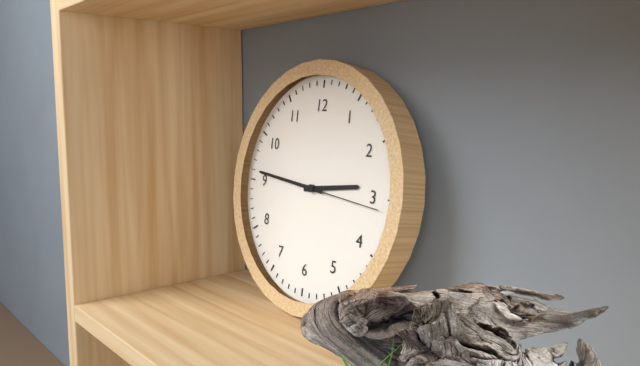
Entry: h=2 m=46 s=16
